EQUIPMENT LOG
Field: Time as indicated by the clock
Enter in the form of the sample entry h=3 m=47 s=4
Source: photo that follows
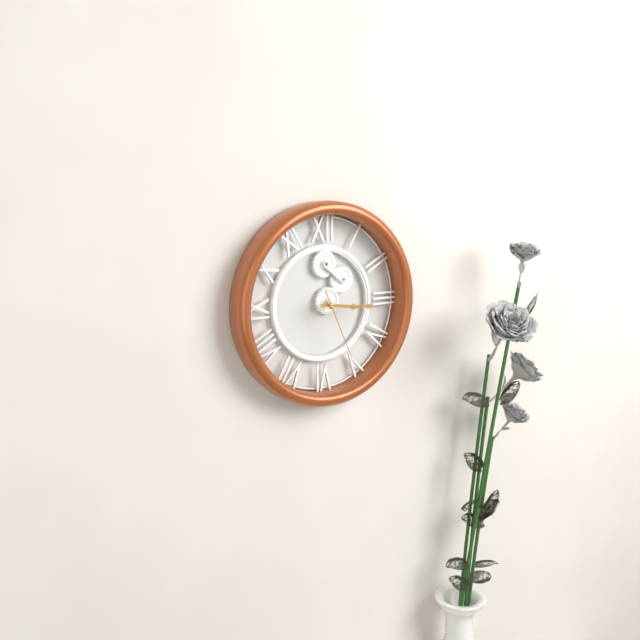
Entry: h=3 m=16 s=26
